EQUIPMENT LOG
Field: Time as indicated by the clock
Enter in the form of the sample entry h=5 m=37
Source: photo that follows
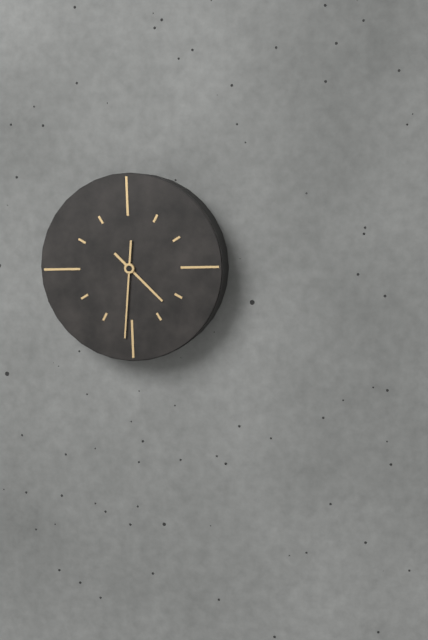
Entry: h=4 m=31
